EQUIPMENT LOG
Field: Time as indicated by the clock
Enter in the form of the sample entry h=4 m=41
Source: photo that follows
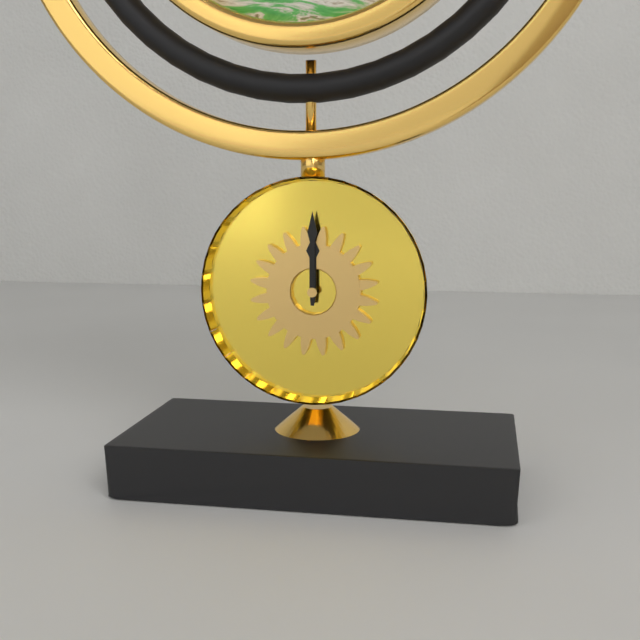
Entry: h=12 m=0
